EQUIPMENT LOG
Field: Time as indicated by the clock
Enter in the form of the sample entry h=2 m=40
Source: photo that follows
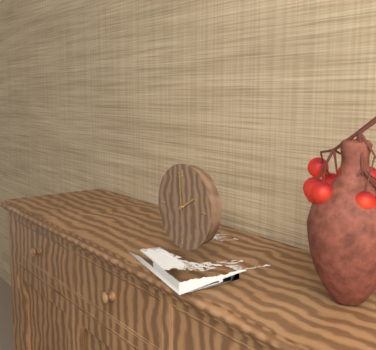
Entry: h=1 m=59
